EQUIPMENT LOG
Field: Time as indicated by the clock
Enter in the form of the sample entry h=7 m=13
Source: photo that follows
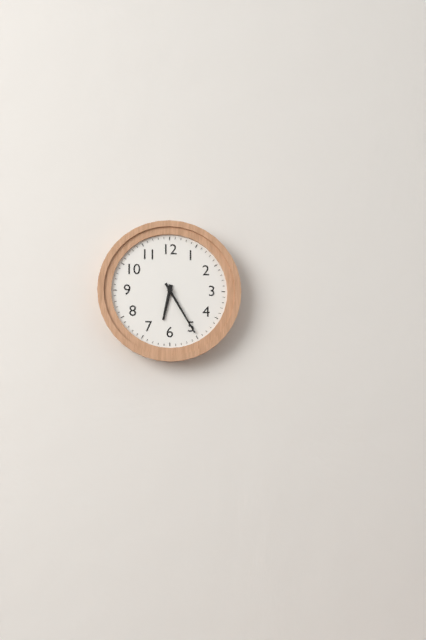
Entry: h=6 m=25
